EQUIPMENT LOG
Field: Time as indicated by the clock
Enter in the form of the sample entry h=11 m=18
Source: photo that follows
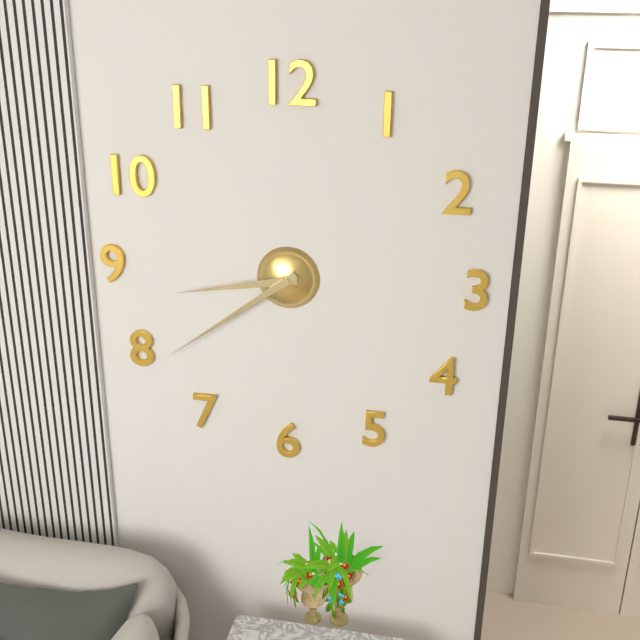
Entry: h=8 m=39
